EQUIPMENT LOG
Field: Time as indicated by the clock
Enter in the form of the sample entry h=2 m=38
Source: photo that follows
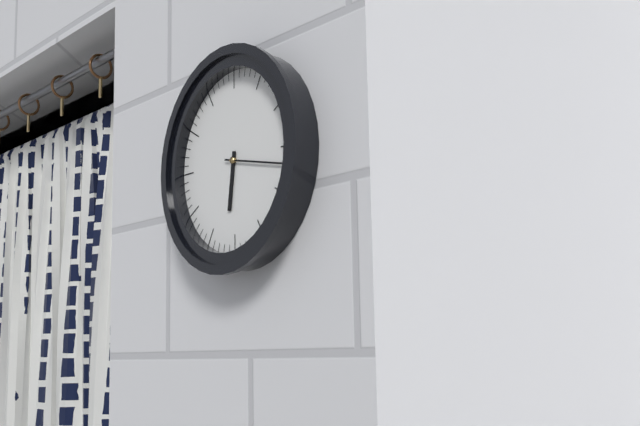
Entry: h=6 m=17
